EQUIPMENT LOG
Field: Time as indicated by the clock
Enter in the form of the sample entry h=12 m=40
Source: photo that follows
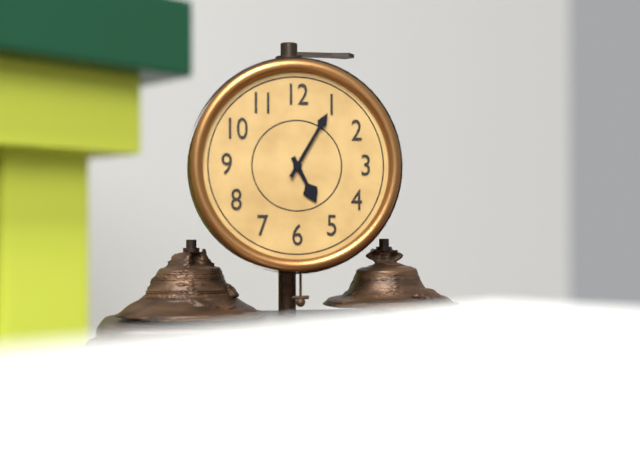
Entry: h=5 m=5
